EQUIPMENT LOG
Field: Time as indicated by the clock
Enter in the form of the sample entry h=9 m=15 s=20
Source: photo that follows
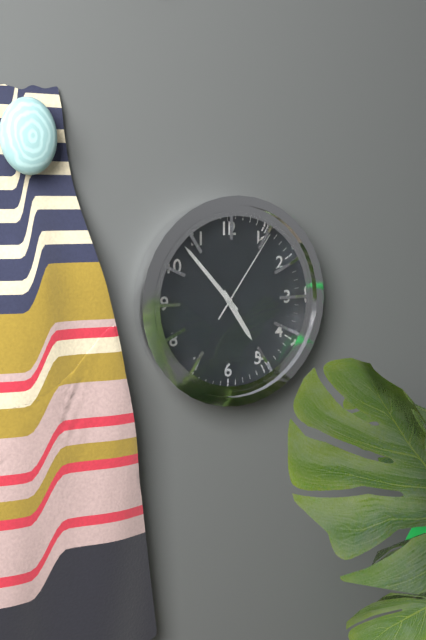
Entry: h=4 m=53 s=6
